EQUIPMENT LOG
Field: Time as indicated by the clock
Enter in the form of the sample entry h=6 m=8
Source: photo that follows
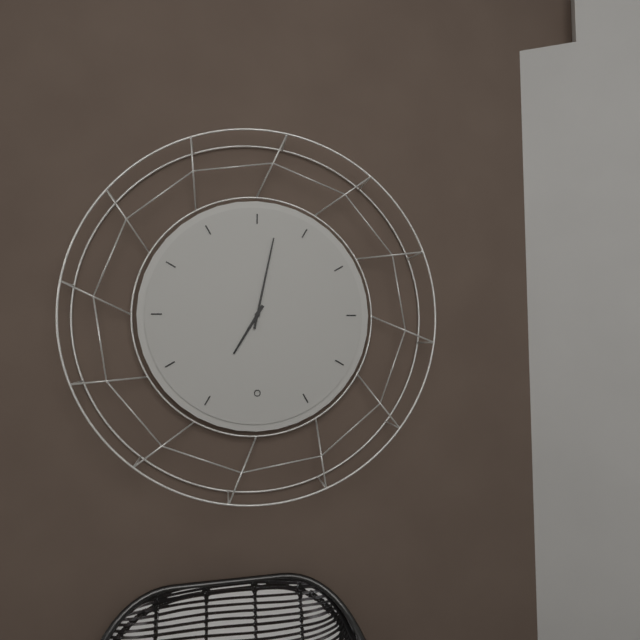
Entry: h=7 m=2
